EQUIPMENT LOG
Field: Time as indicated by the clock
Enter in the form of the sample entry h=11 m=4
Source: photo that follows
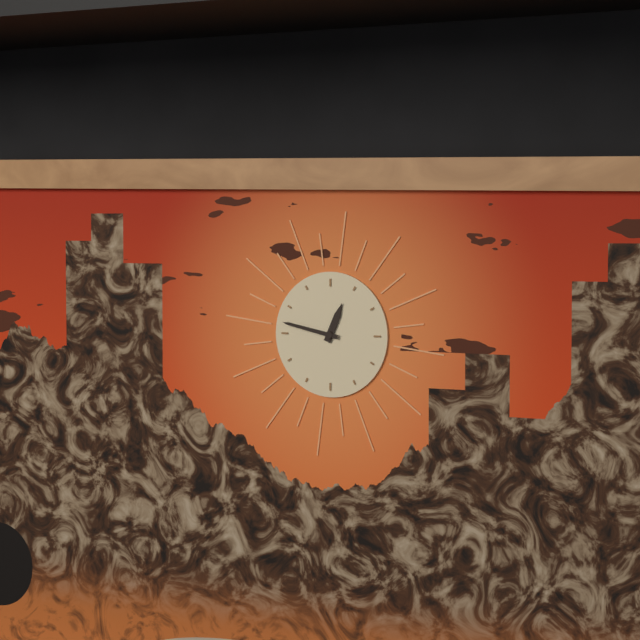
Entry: h=12 m=47
